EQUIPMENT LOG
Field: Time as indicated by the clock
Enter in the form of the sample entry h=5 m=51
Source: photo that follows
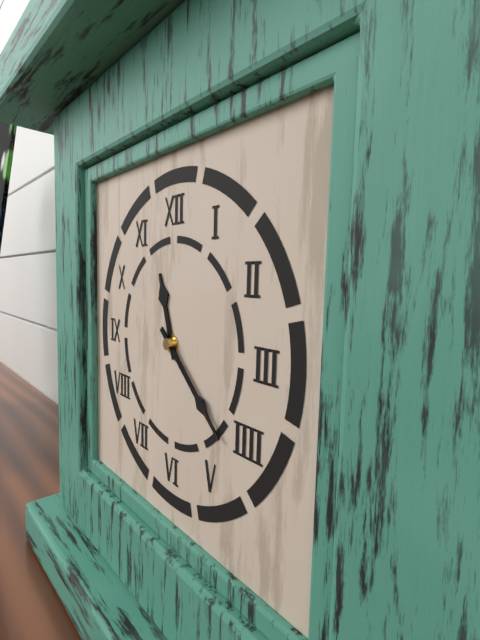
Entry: h=11 m=22
